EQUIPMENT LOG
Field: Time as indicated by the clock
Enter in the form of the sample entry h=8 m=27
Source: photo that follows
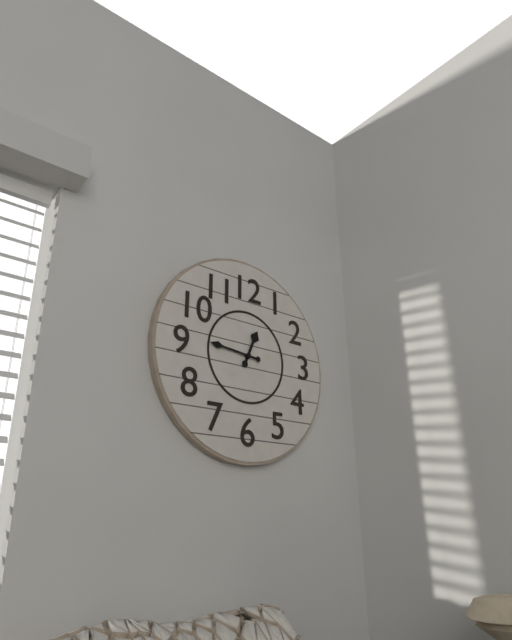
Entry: h=12 m=46
